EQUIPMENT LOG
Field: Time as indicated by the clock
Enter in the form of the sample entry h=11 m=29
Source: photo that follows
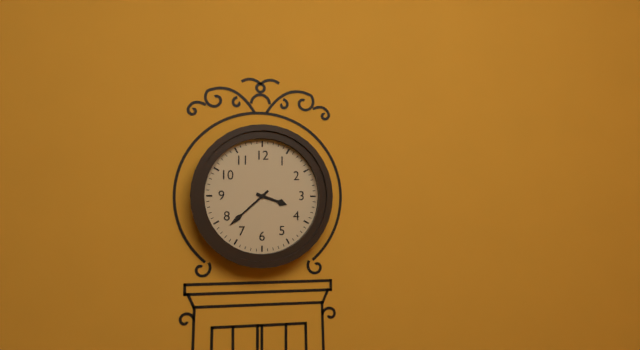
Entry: h=3 m=38
